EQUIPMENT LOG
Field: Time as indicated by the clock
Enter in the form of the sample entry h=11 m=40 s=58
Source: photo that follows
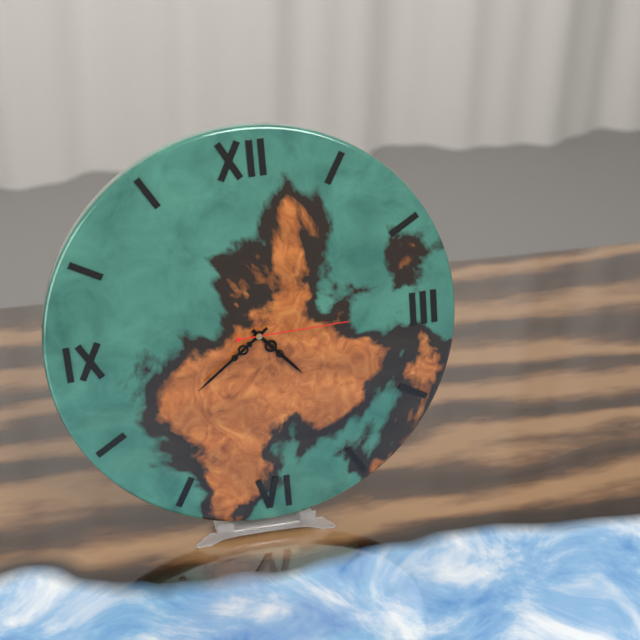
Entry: h=4 m=39 s=15
